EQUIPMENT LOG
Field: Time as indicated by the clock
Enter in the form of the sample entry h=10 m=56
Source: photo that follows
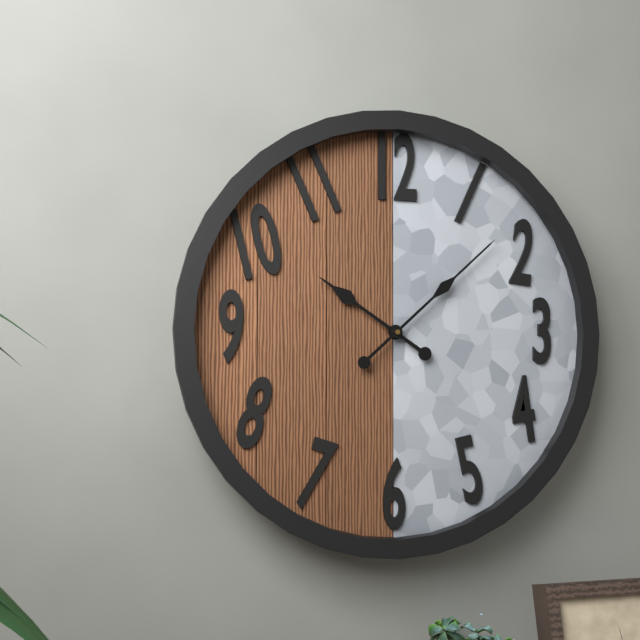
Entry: h=10 m=8
